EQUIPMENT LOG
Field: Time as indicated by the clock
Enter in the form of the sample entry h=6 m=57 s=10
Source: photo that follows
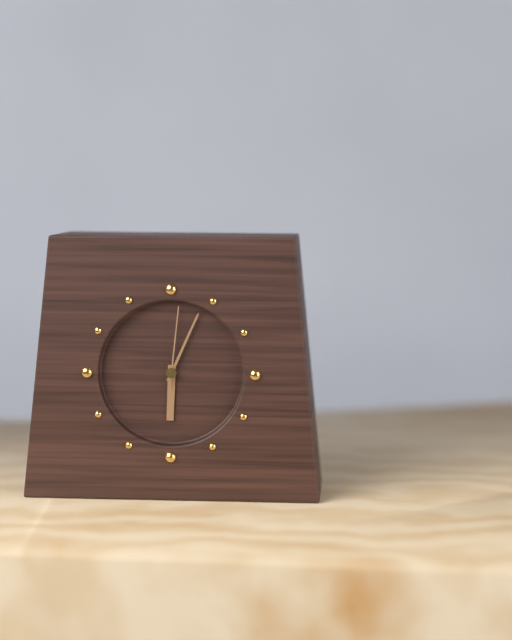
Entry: h=6 m=4 s=1
